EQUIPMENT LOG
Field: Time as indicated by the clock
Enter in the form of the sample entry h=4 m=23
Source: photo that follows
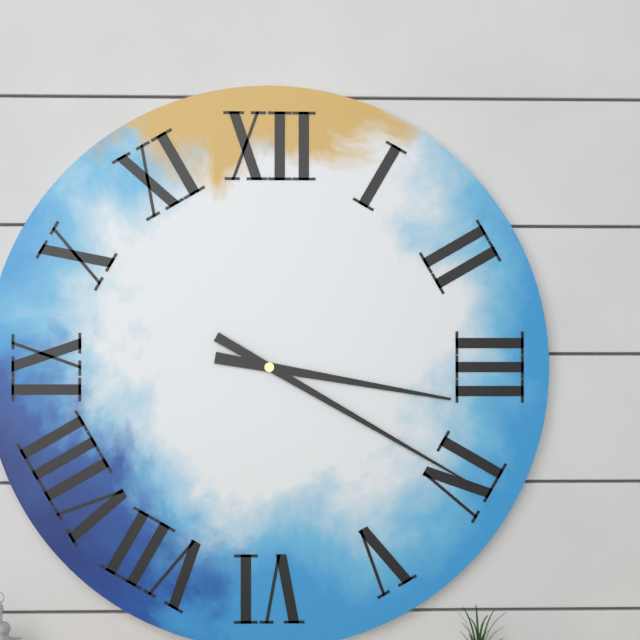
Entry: h=3 m=20
